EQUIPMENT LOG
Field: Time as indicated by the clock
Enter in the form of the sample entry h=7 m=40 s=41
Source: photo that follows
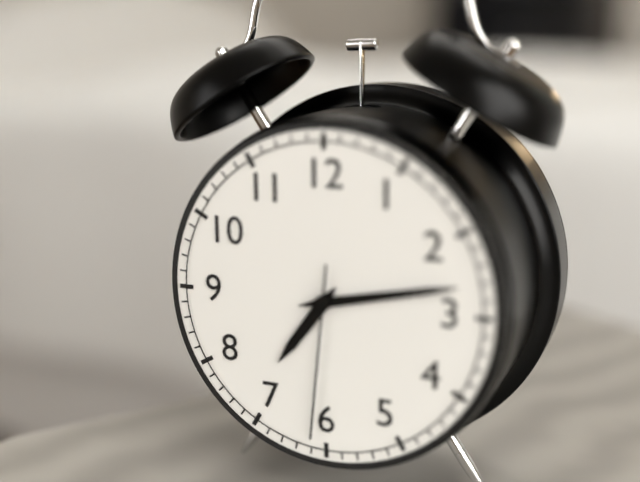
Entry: h=7 m=13 s=31
